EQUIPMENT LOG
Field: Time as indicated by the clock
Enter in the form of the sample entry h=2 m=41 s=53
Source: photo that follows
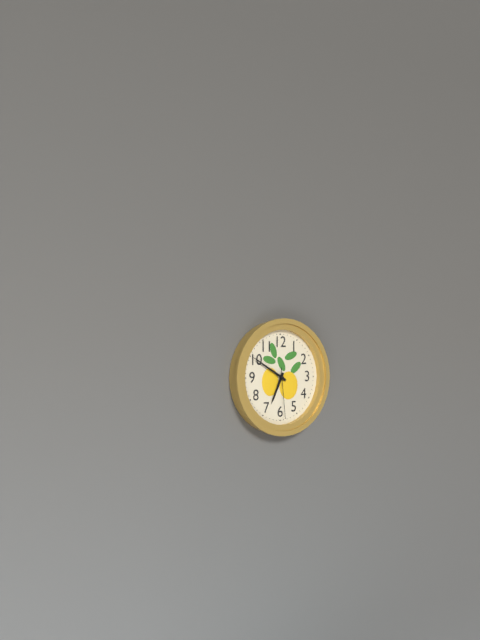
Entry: h=6 m=50 s=29
